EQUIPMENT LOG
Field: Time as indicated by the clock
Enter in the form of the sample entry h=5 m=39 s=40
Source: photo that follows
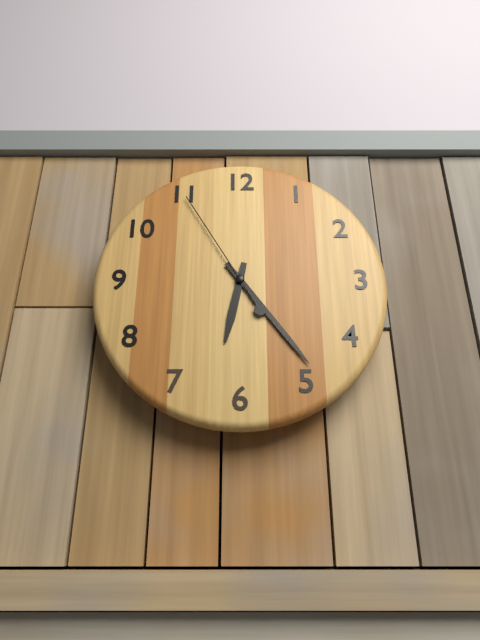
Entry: h=6 m=24 s=55
